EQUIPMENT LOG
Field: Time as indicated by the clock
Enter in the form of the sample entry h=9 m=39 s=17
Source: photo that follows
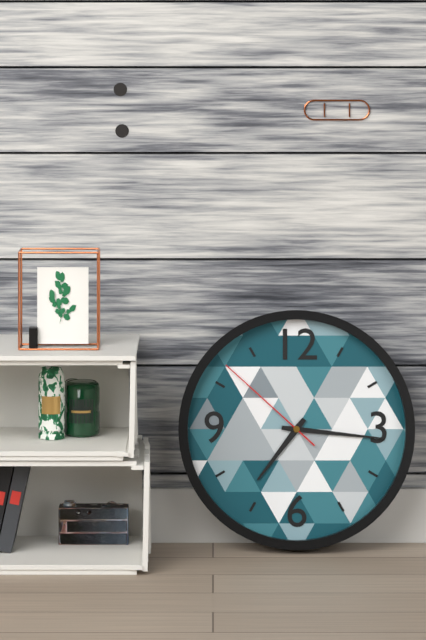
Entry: h=7 m=16 s=52
